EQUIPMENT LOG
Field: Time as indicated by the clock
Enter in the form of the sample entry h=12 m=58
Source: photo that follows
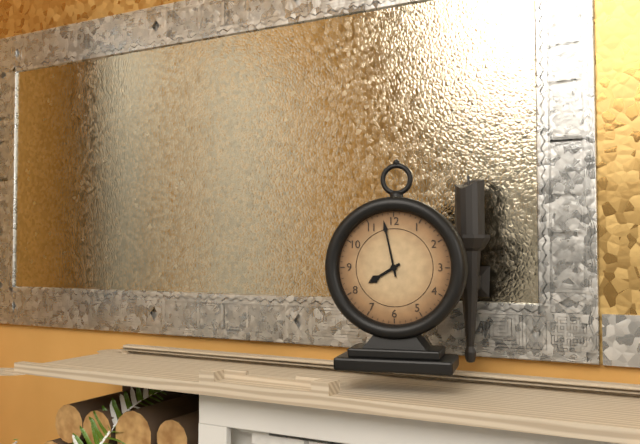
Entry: h=7 m=58
